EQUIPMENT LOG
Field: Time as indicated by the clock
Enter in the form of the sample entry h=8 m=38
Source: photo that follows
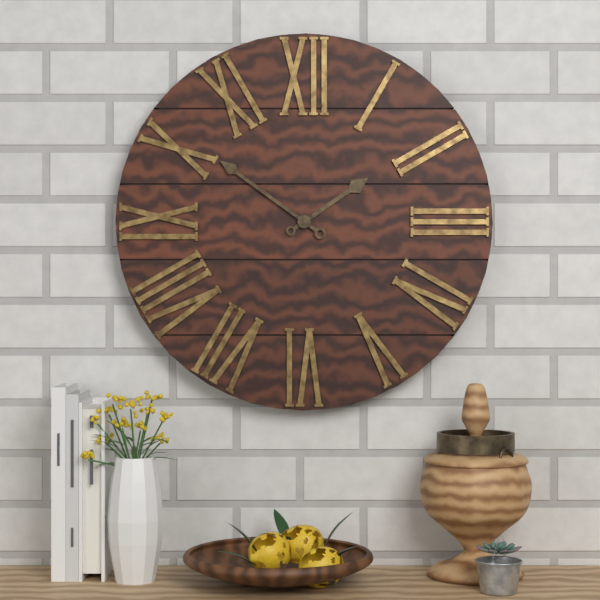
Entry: h=1 m=51
